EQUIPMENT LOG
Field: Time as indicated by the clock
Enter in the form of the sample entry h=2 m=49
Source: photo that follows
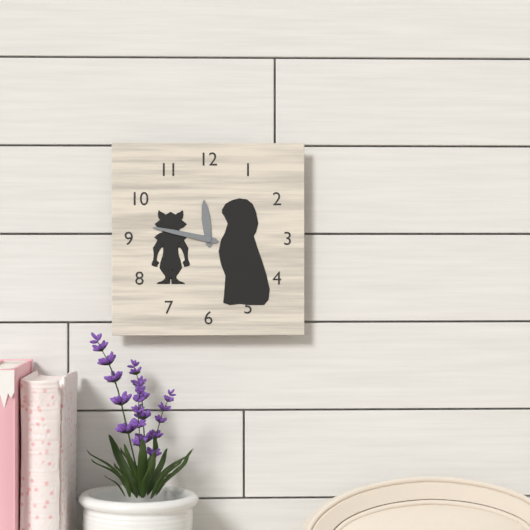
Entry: h=11 m=47
